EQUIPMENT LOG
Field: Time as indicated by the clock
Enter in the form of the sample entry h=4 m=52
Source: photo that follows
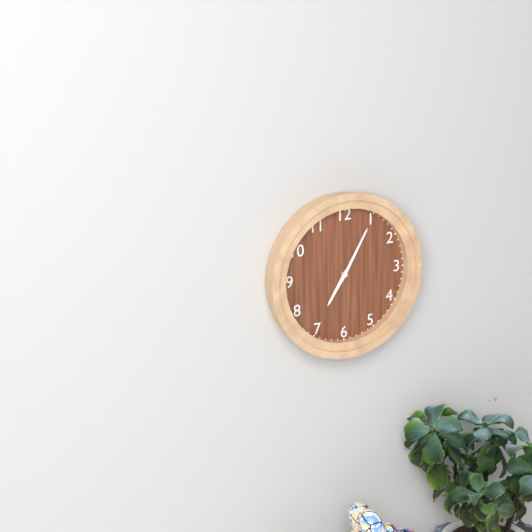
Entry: h=7 m=5
